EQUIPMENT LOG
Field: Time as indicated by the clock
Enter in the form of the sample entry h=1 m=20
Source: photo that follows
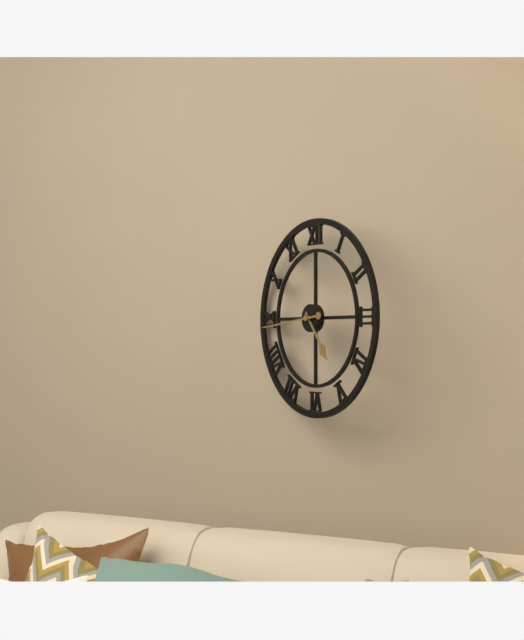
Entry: h=4 m=44
